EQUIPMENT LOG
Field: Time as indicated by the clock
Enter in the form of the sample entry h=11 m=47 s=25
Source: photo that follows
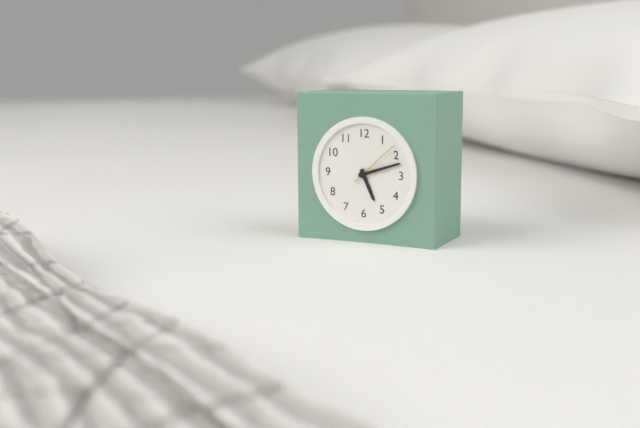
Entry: h=5 m=12 s=8
